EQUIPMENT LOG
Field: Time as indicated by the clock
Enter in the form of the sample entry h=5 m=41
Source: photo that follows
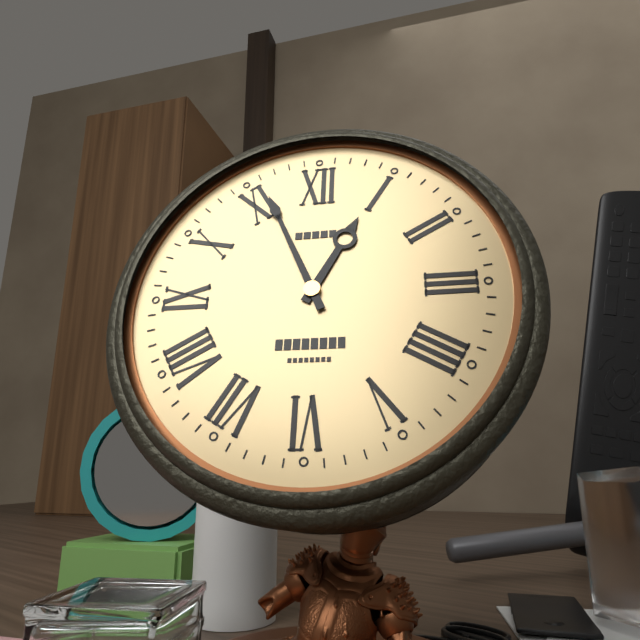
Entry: h=12 m=56
